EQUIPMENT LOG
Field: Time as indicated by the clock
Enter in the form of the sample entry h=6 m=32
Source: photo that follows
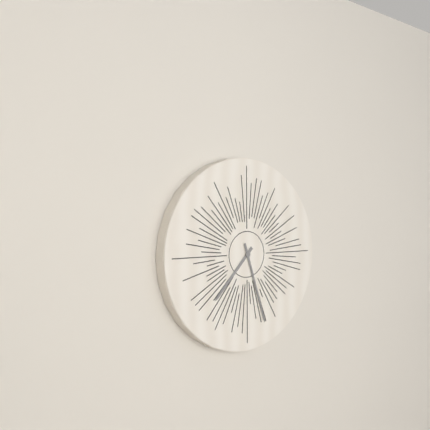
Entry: h=7 m=27
